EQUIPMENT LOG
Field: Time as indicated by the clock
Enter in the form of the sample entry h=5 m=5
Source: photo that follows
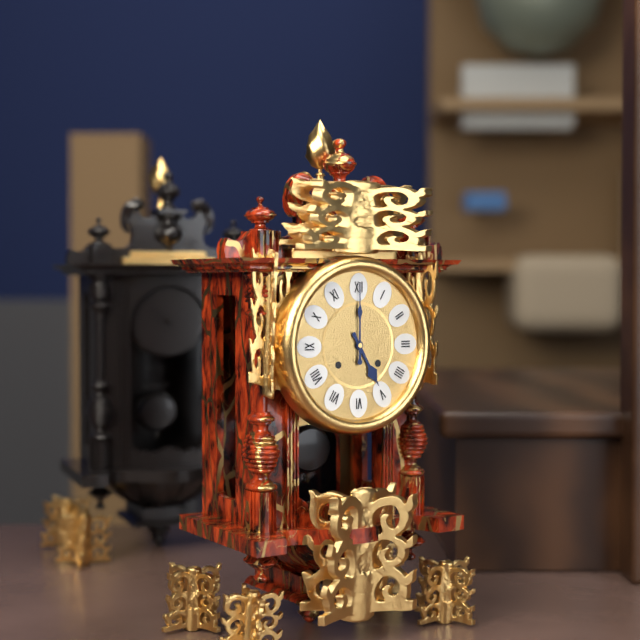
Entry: h=5 m=0
